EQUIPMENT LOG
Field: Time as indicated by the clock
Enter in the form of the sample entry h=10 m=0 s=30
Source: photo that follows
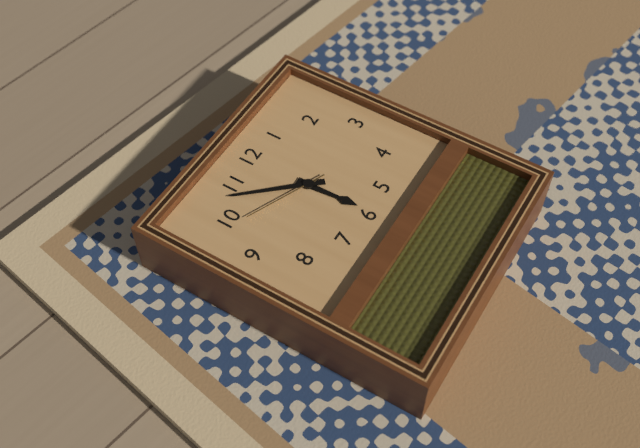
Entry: h=5 m=53 s=49
